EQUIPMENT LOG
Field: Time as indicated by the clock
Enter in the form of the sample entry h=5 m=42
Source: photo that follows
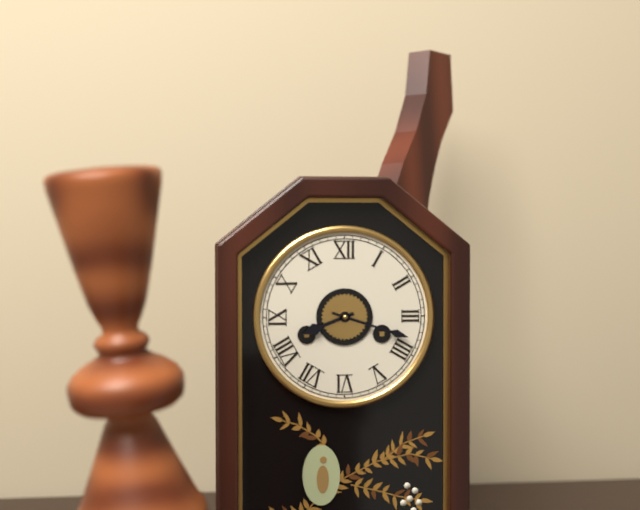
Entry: h=8 m=18
